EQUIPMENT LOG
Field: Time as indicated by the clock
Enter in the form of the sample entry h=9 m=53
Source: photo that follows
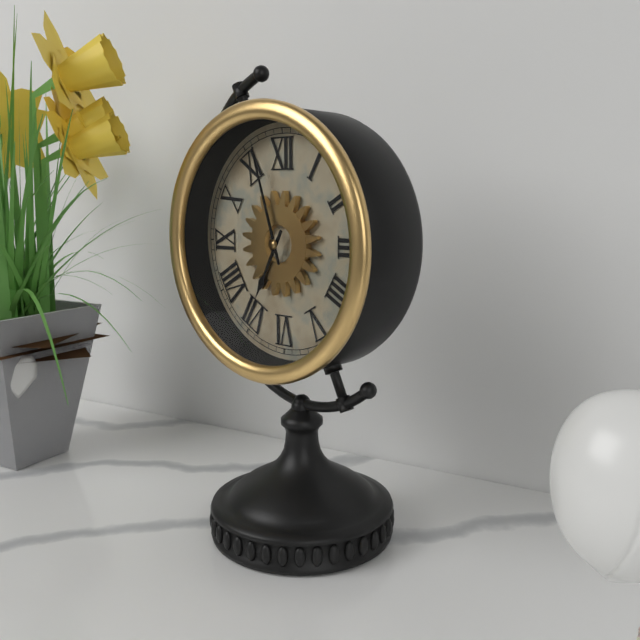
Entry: h=6 m=57
